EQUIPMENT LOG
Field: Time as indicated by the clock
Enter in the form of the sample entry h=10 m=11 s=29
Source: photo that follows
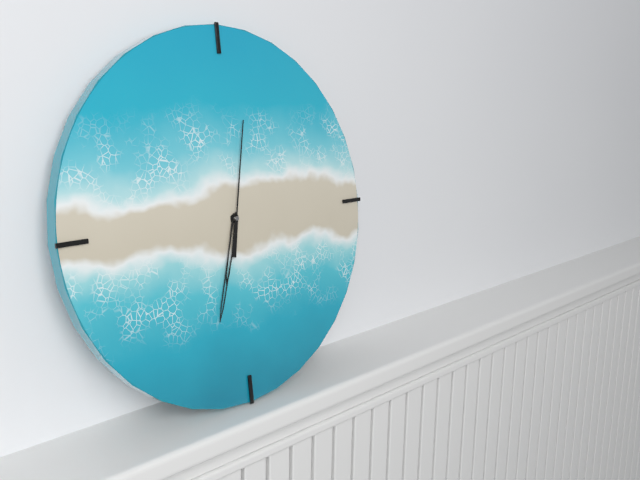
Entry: h=6 m=33 s=2
